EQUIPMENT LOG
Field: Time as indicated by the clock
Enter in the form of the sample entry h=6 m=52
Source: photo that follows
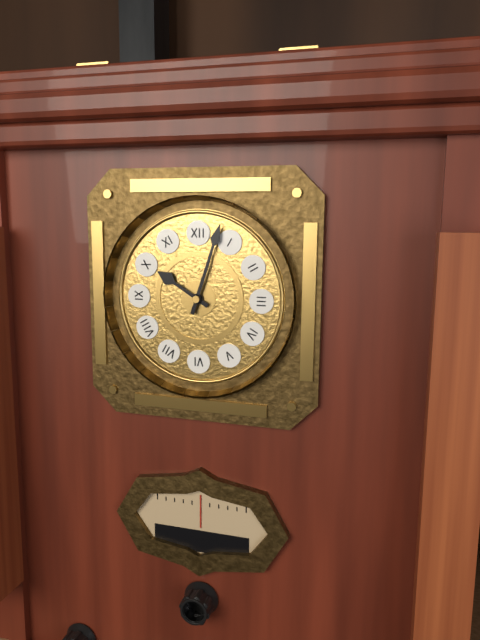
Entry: h=10 m=3
